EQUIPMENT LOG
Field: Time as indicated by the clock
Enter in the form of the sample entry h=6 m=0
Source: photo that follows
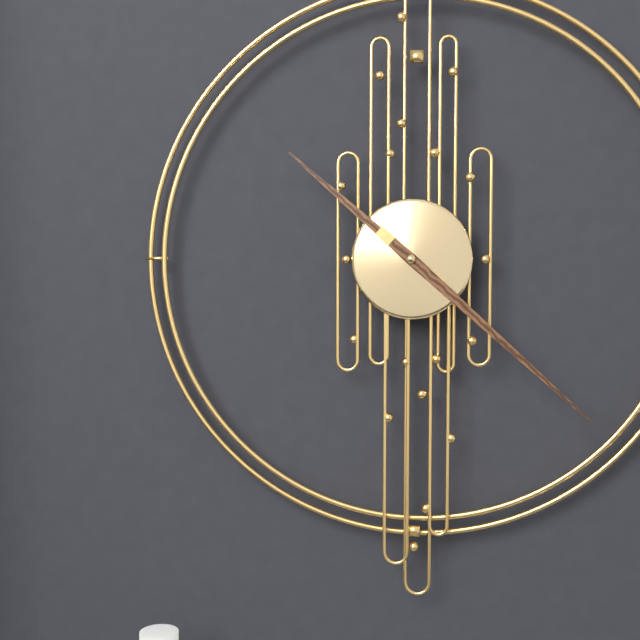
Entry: h=10 m=22
